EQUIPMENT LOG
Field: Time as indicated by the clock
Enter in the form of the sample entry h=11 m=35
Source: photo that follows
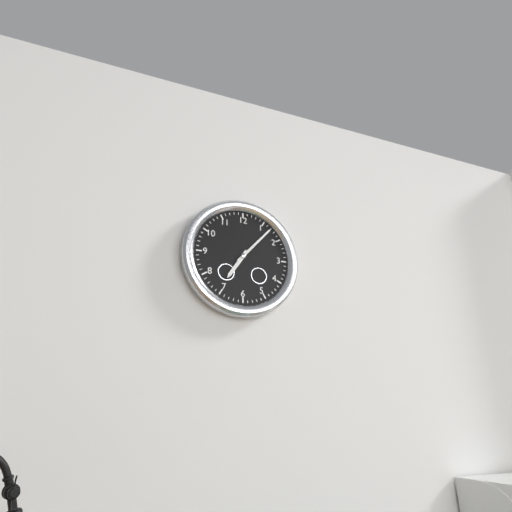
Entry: h=7 m=7
